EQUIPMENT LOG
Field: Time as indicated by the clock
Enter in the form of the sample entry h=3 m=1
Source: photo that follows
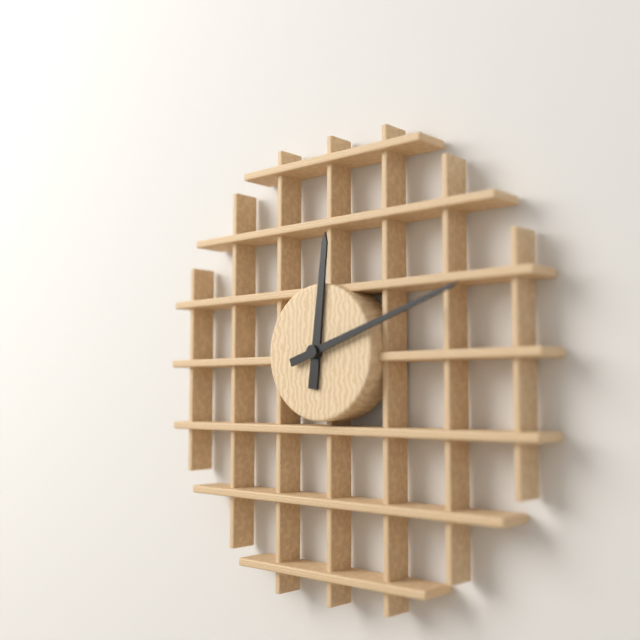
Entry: h=12 m=12
